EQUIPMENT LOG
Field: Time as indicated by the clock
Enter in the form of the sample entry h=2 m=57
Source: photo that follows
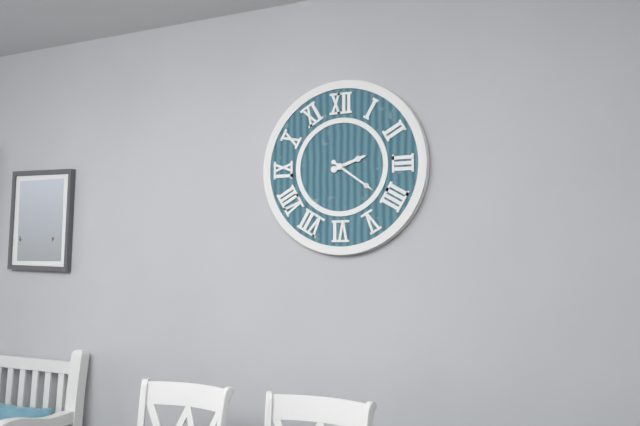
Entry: h=2 m=21
